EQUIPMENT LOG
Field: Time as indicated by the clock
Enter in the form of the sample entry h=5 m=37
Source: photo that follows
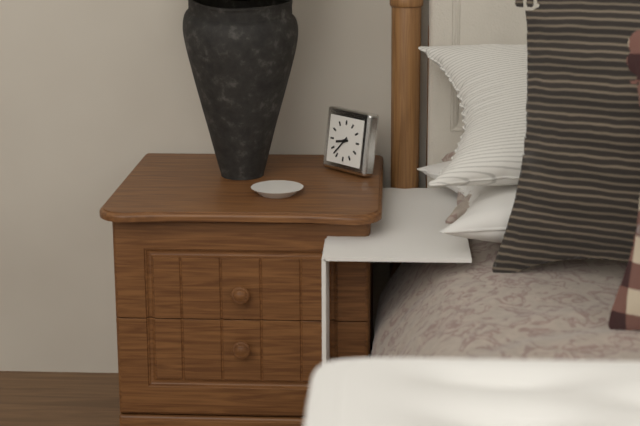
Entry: h=8 m=37
